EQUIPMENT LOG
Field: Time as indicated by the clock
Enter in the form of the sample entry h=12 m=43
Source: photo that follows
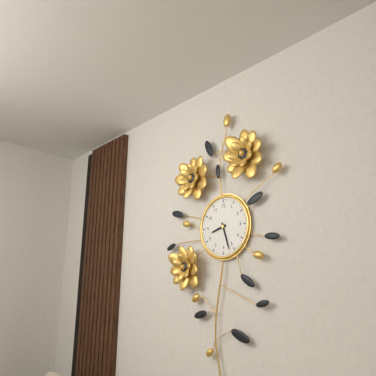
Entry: h=8 m=27
